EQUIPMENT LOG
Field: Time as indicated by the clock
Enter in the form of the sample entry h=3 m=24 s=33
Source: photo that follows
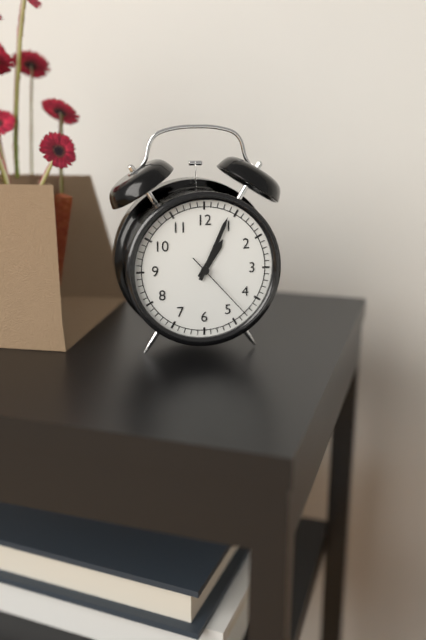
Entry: h=1 m=4 s=23
